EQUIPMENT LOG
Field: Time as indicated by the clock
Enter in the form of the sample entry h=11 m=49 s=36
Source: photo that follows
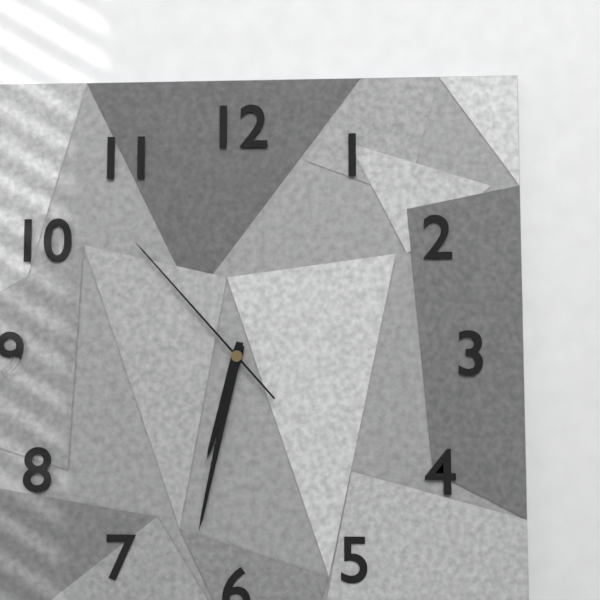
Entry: h=6 m=32 s=53
